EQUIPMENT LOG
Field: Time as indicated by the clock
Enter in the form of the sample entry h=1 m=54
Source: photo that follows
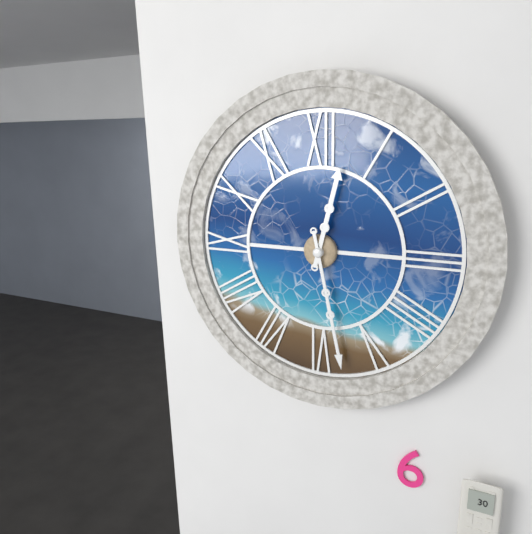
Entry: h=12 m=28
